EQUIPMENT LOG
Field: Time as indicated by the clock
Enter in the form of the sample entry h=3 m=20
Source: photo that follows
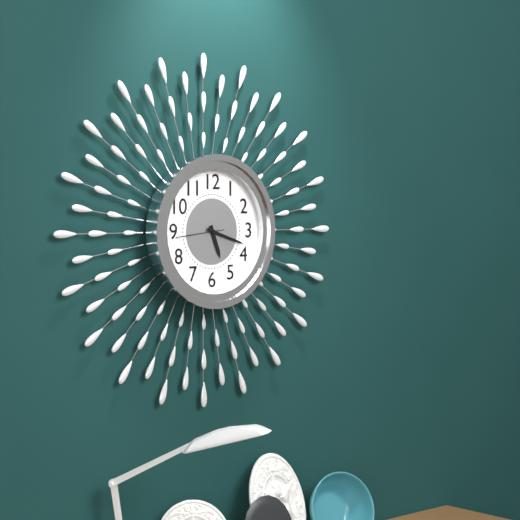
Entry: h=5 m=18
